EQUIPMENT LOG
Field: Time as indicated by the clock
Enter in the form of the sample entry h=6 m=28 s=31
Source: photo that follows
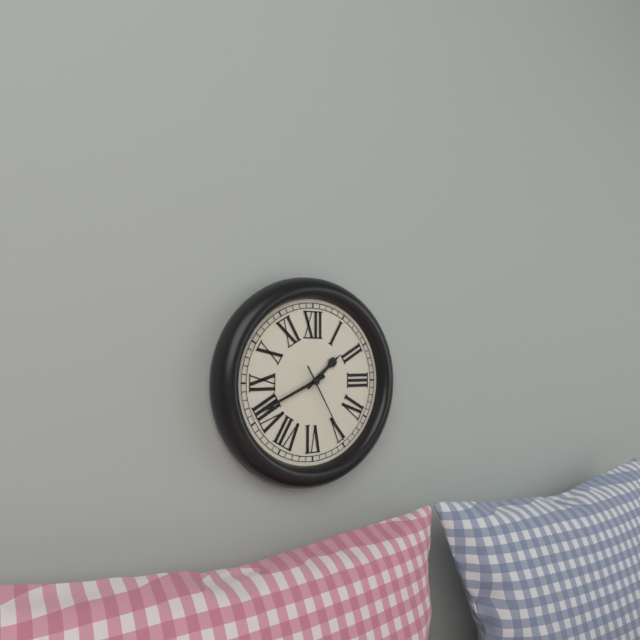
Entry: h=1 m=41 s=25
